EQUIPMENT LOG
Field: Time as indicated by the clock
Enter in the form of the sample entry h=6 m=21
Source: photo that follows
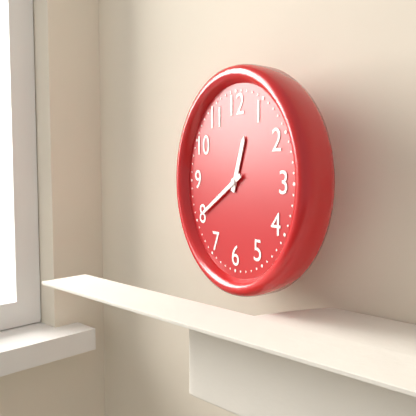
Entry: h=12 m=40
